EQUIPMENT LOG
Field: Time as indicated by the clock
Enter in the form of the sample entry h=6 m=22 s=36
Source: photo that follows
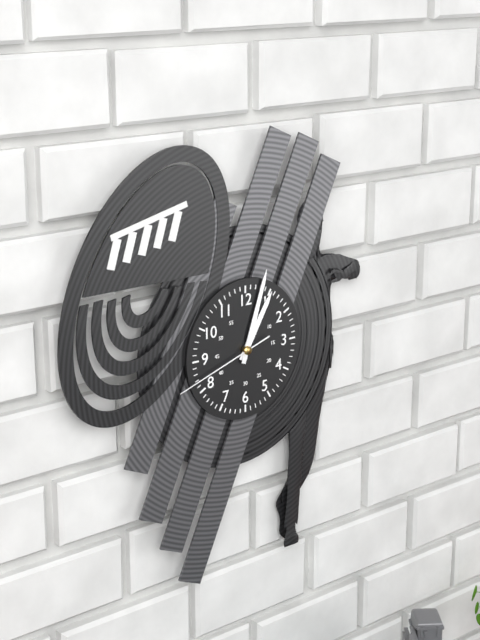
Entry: h=1 m=3 s=42
